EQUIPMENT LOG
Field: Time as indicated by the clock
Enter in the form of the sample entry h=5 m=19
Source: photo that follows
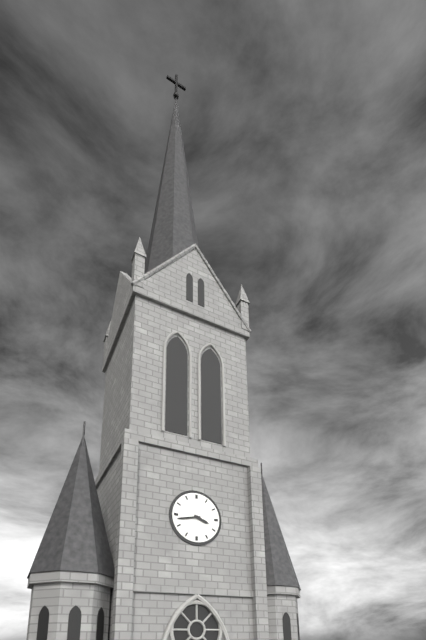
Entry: h=3 m=43
